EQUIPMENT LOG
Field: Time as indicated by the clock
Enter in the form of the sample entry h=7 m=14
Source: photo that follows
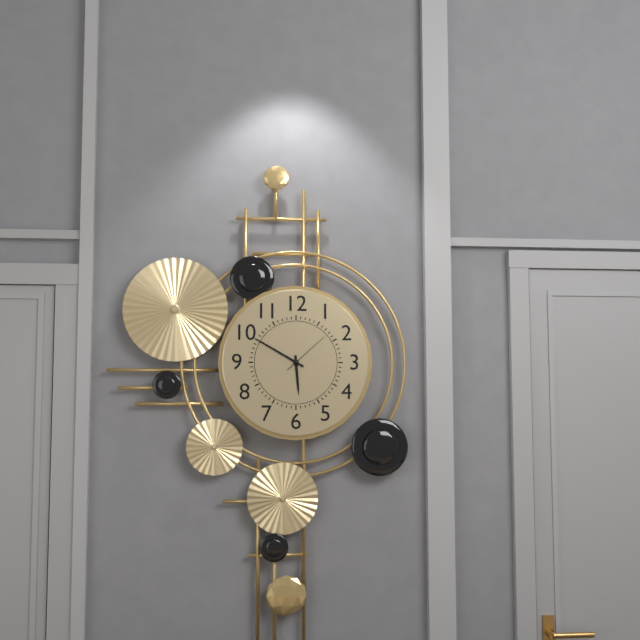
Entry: h=5 m=50
